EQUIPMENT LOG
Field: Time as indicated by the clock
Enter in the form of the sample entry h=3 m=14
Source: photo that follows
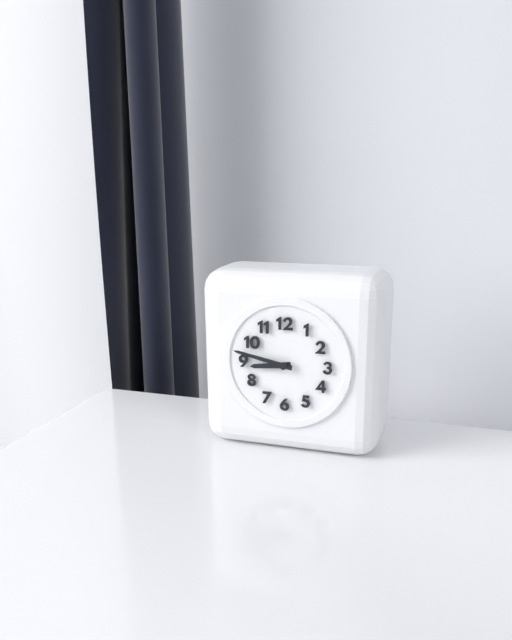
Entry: h=8 m=47
